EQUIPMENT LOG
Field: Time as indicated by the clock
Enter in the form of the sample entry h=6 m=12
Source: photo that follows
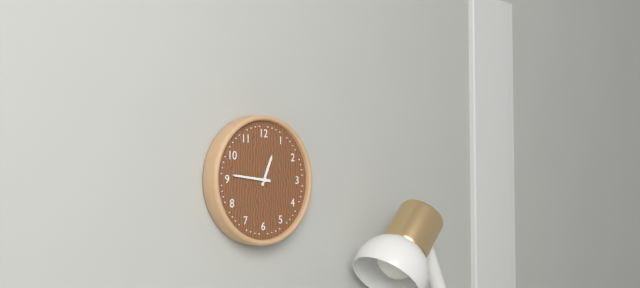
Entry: h=12 m=46
